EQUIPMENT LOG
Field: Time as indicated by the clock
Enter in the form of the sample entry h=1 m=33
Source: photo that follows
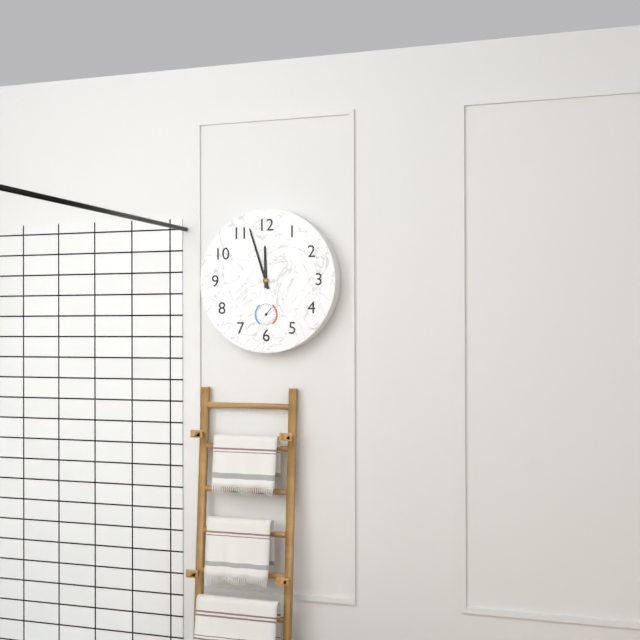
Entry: h=11 m=57
